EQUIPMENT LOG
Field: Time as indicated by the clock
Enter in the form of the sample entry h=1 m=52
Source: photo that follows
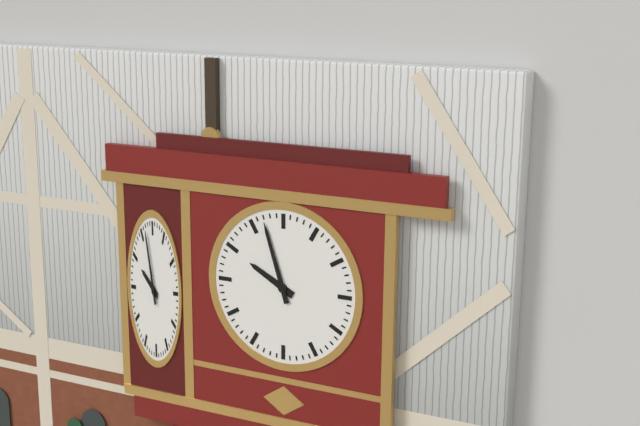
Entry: h=9 m=57
